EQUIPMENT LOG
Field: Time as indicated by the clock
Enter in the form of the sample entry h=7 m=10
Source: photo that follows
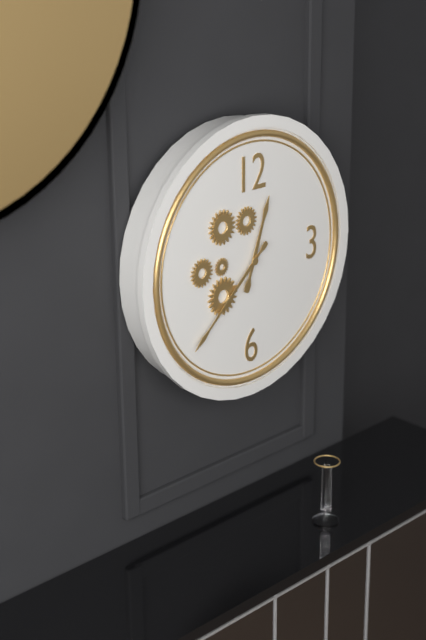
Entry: h=12 m=38
